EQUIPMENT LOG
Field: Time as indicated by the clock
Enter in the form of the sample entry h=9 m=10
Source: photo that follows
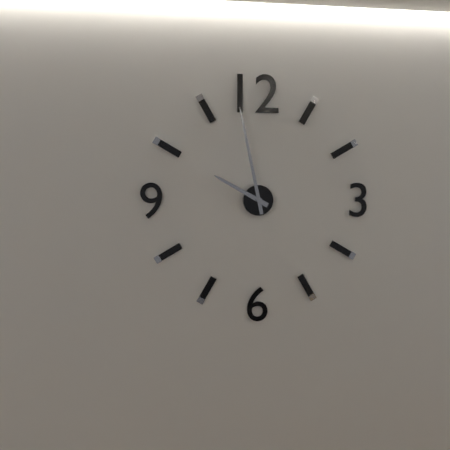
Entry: h=9 m=58
